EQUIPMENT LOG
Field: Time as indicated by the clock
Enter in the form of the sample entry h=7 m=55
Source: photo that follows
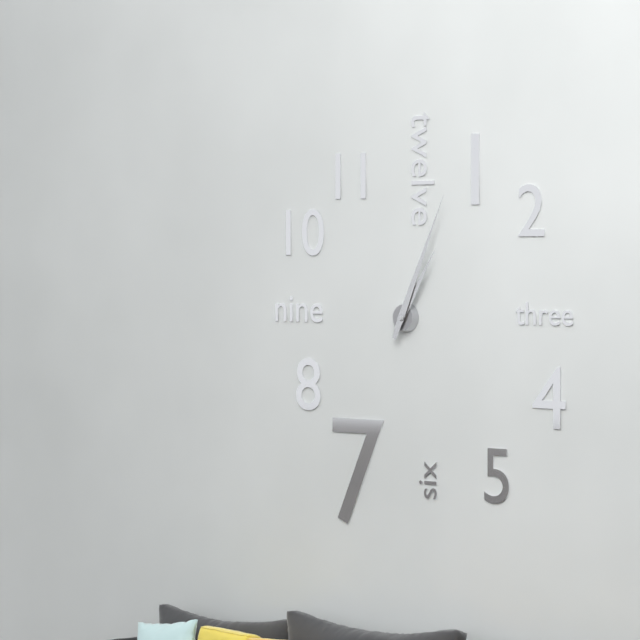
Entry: h=1 m=4
